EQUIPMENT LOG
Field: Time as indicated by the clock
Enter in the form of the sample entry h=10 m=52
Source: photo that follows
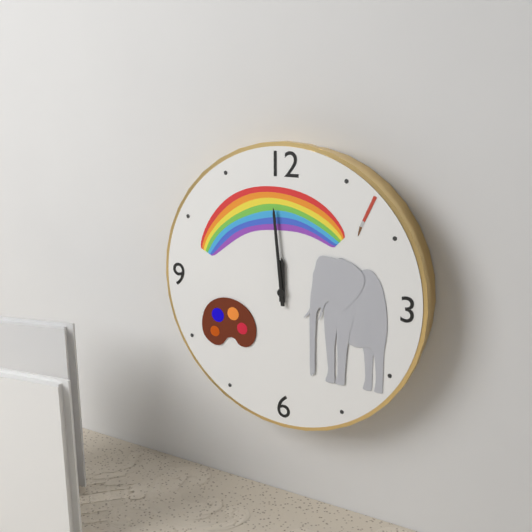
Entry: h=11 m=59
